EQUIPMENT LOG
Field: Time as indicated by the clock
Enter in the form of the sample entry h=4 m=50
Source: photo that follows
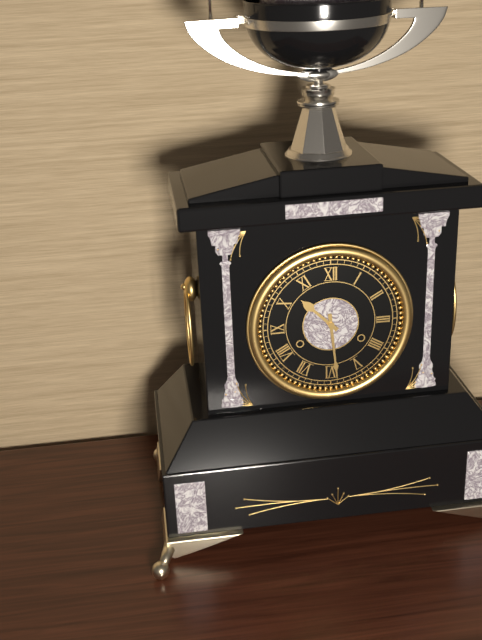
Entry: h=10 m=29
